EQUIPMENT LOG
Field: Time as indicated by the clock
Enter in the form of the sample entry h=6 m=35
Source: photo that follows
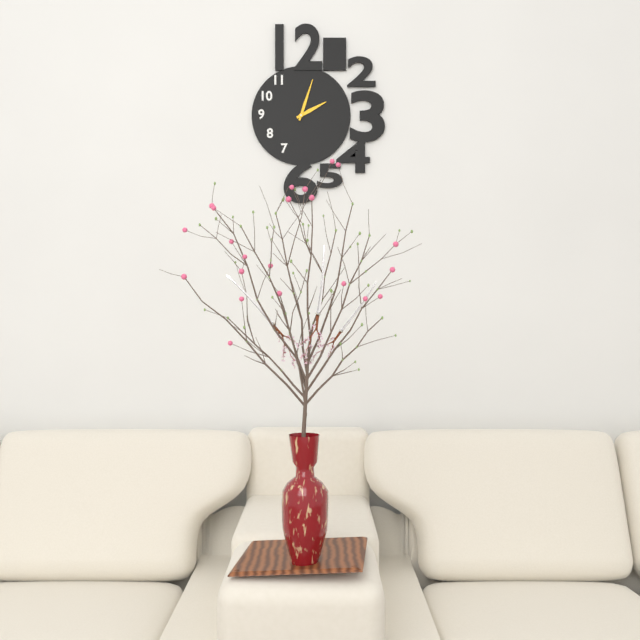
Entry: h=2 m=3
